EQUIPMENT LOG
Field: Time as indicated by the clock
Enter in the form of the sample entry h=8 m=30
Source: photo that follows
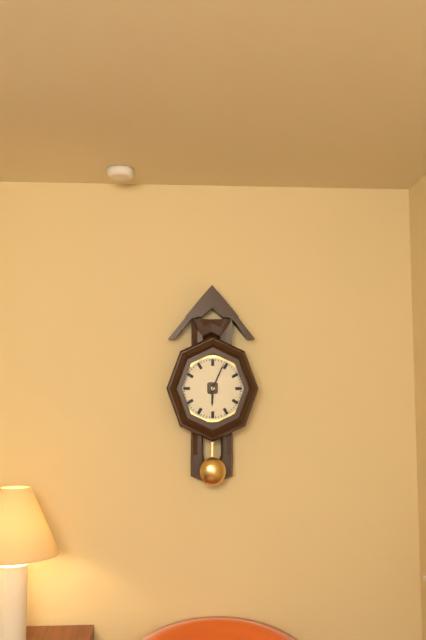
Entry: h=6 m=4
